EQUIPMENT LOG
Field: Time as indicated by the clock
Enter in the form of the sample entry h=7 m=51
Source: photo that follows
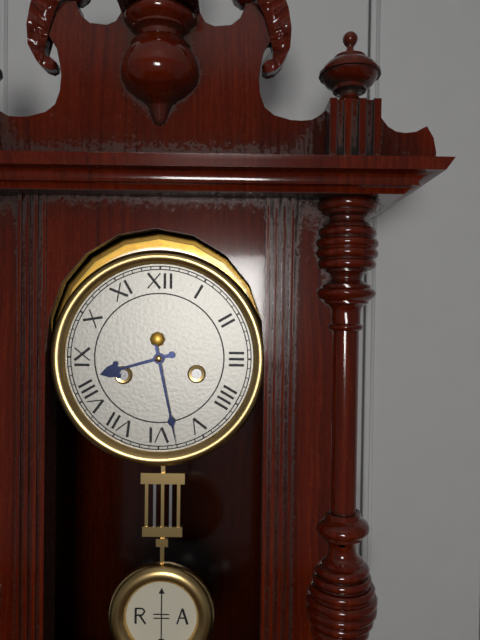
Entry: h=8 m=28
